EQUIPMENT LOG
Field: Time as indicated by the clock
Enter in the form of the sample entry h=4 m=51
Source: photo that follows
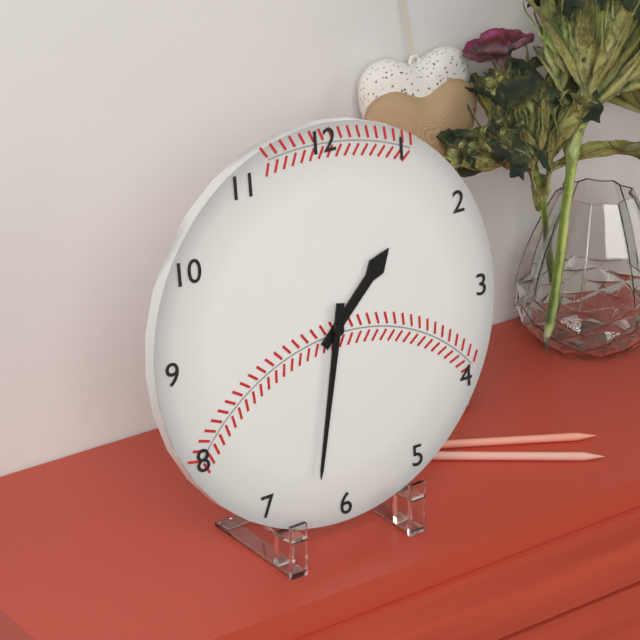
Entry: h=1 m=32
